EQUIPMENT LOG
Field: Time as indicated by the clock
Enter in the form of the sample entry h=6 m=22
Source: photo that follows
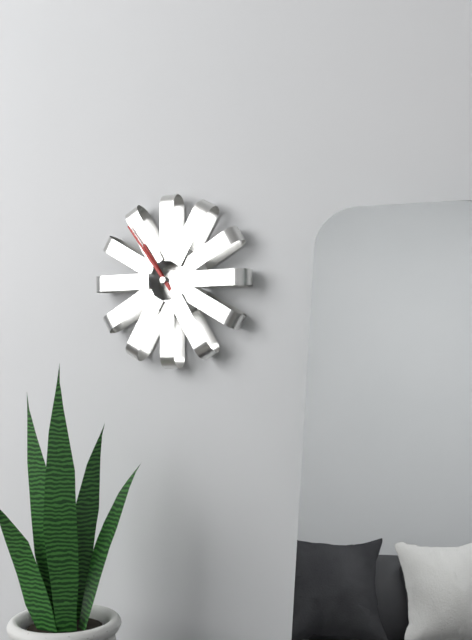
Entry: h=10 m=54
